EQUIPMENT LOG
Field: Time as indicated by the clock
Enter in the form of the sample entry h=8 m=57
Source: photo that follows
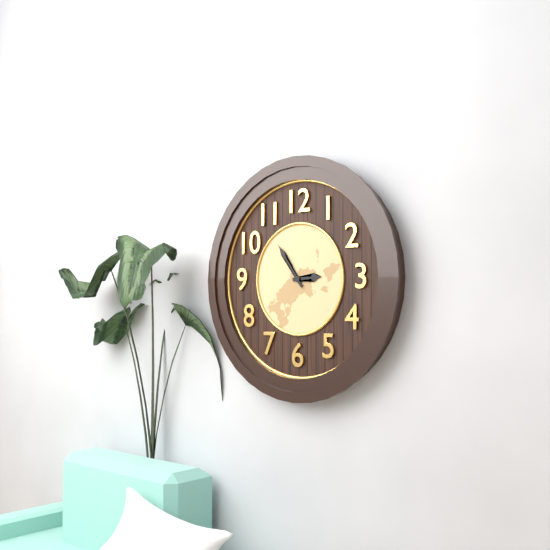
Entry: h=2 m=54
